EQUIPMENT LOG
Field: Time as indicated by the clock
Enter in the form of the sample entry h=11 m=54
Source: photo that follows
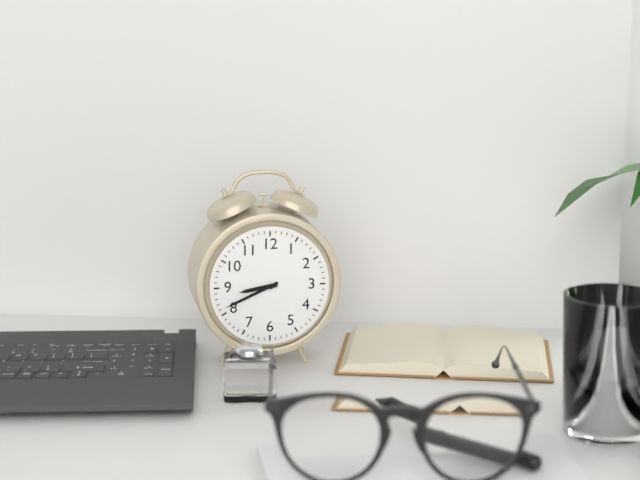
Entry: h=8 m=41
